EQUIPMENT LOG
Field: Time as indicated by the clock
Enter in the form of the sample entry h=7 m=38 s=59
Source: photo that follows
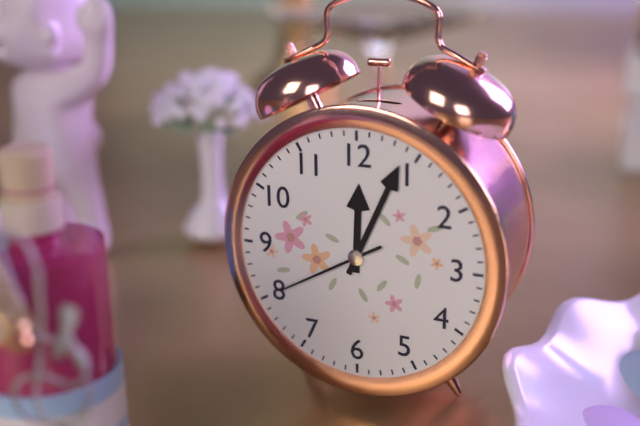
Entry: h=12 m=4 s=40
